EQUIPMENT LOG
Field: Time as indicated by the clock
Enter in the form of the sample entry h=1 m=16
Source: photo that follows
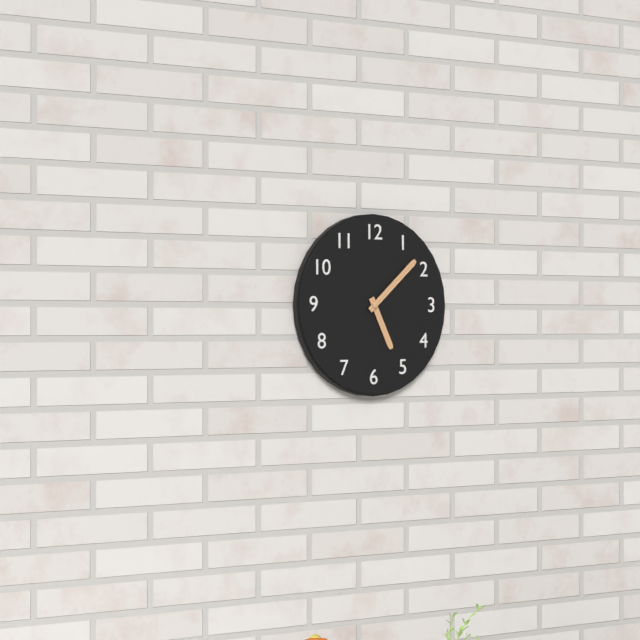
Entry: h=5 m=8
